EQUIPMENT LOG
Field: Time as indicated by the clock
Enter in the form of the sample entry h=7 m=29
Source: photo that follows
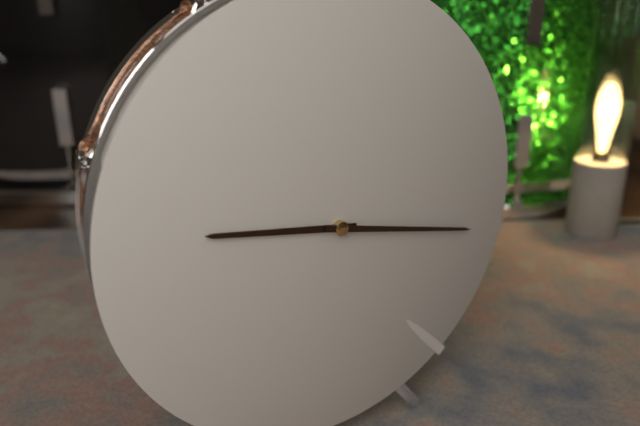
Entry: h=9 m=17
